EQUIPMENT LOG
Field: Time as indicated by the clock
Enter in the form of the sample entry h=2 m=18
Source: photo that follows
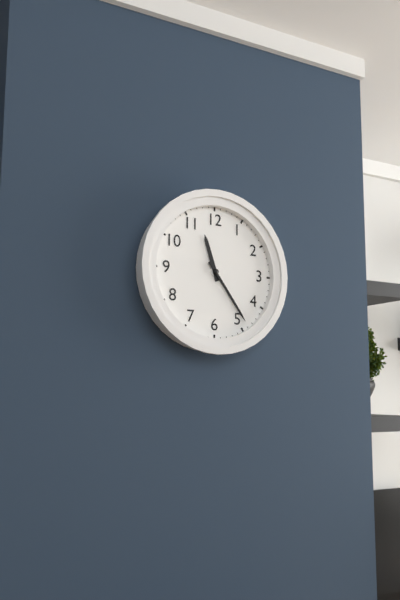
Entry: h=11 m=24
